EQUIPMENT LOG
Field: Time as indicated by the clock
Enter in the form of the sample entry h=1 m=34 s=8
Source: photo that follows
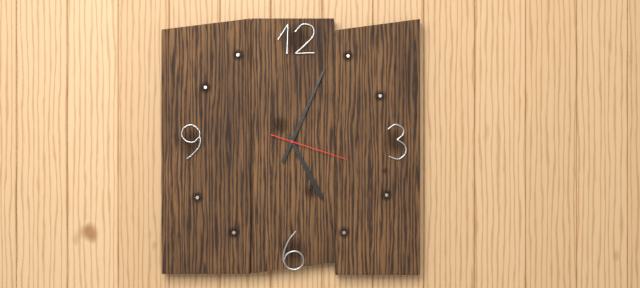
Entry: h=5 m=4 s=18
